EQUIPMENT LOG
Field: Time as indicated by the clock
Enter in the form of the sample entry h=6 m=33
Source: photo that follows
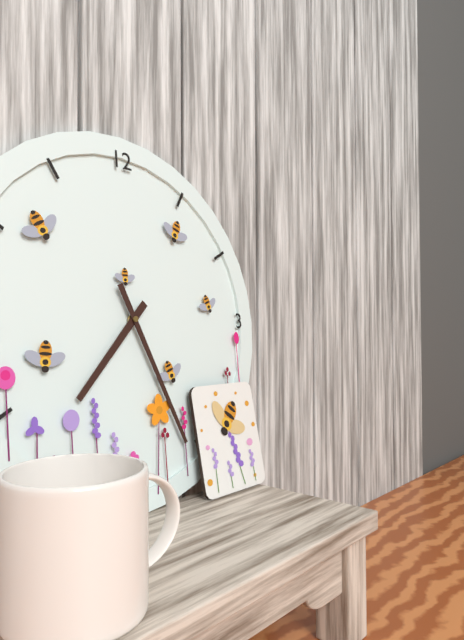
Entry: h=7 m=26
